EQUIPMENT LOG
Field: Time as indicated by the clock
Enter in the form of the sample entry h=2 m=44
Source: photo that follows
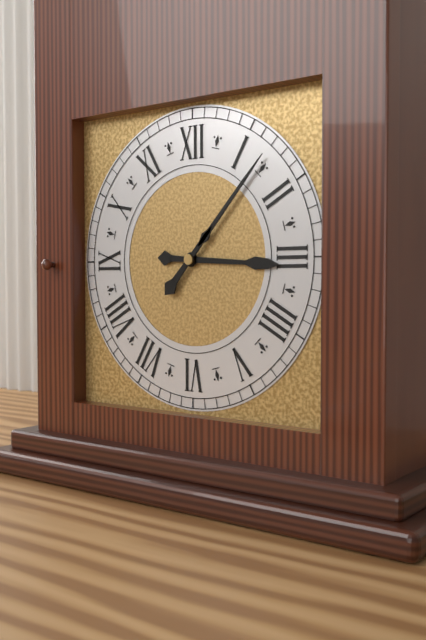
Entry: h=3 m=7
